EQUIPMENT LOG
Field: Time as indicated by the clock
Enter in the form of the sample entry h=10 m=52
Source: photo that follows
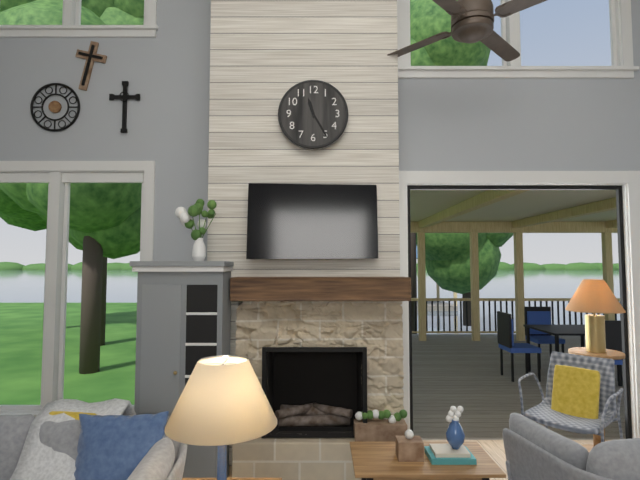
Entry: h=11 m=25
